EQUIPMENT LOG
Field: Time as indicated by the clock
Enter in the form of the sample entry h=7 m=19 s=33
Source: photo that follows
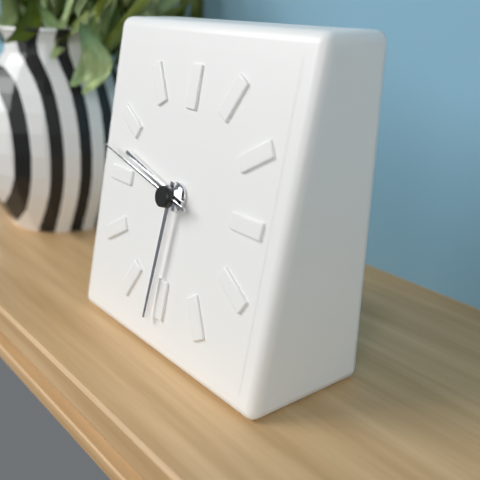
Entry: h=9 m=31 s=47
